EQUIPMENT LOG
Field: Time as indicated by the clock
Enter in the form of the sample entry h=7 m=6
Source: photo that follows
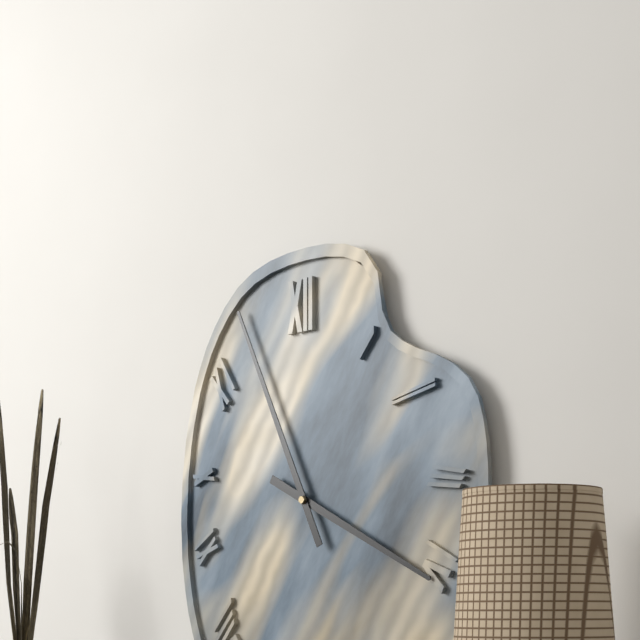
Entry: h=3 m=56
